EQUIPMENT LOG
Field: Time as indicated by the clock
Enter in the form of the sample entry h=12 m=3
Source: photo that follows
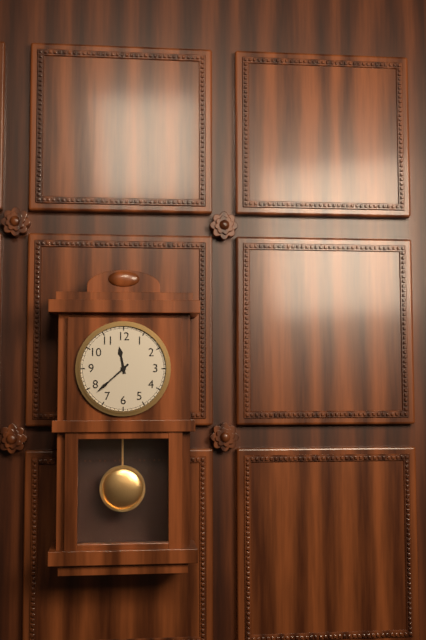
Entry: h=11 m=38
